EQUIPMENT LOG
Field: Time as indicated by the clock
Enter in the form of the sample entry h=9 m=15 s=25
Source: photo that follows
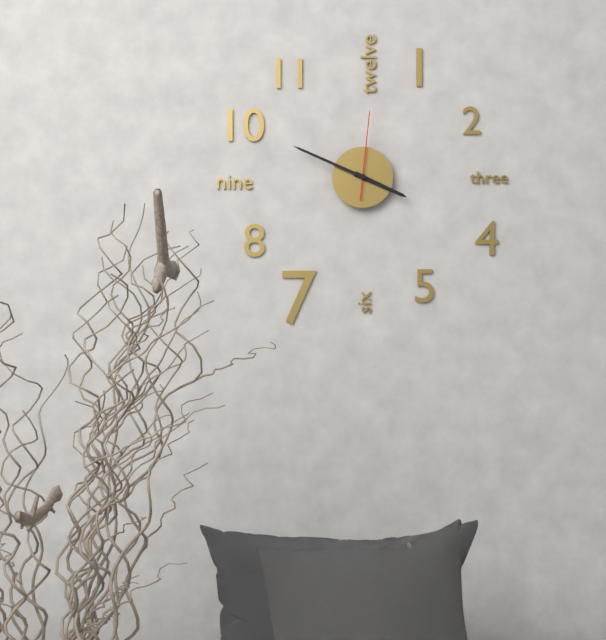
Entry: h=3 m=49 s=1
